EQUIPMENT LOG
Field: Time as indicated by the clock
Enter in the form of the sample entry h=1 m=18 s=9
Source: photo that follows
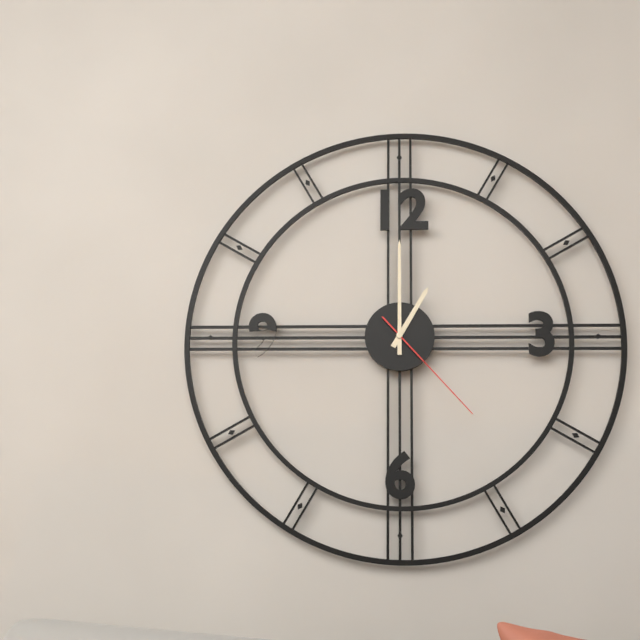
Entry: h=1 m=0 s=23
